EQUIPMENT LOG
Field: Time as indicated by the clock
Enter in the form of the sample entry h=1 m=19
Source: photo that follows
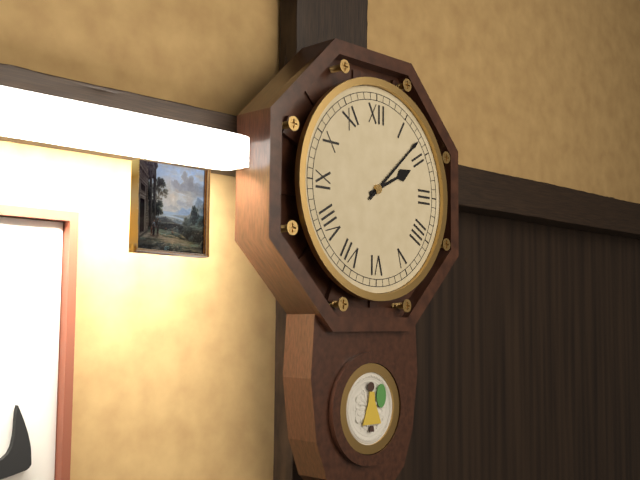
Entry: h=2 m=8
